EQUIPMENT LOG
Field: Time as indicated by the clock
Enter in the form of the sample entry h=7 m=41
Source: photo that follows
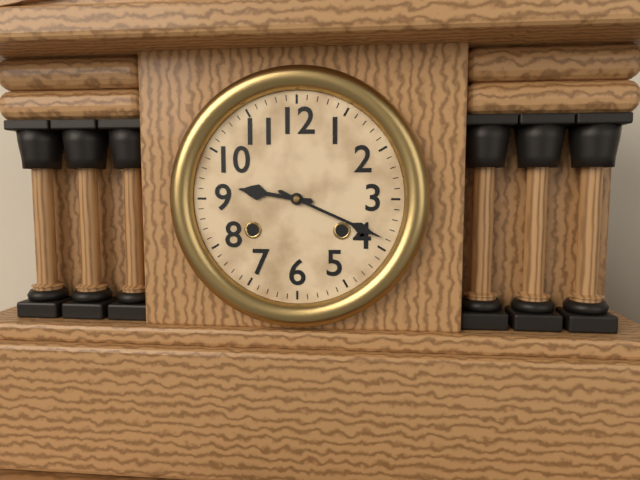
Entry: h=9 m=19
